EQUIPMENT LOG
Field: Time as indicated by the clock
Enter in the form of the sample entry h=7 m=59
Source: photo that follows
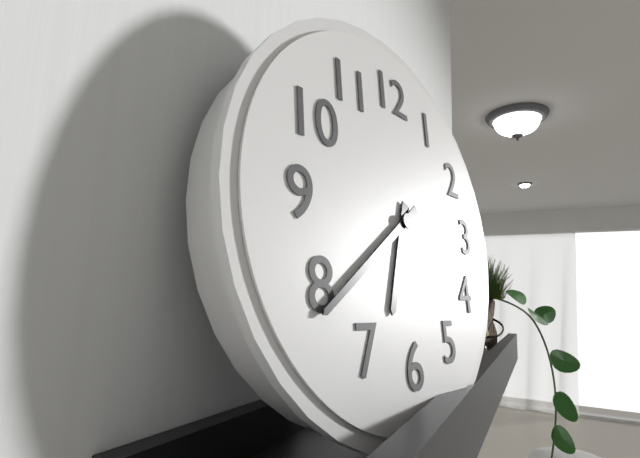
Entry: h=6 m=39
